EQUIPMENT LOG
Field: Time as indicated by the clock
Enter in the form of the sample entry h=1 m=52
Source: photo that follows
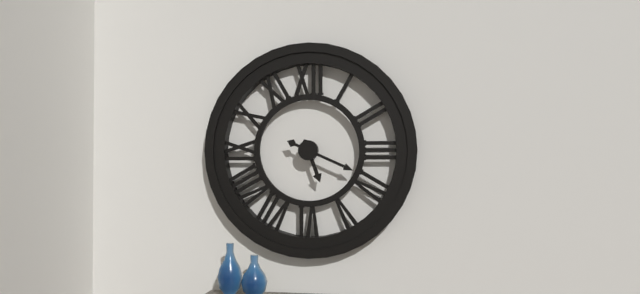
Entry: h=5 m=19
